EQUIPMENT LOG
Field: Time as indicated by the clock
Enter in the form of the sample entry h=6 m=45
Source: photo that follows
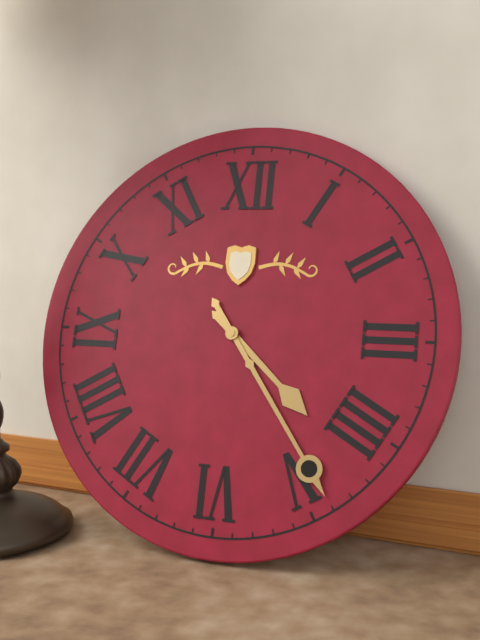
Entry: h=4 m=24
